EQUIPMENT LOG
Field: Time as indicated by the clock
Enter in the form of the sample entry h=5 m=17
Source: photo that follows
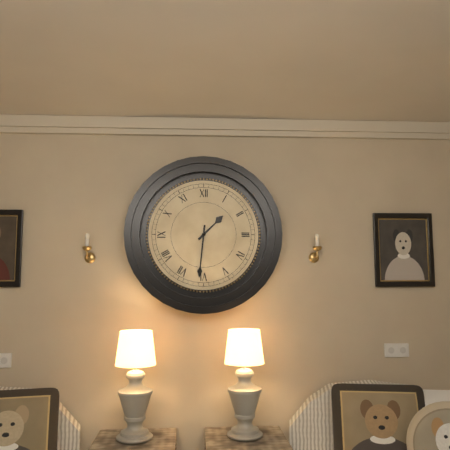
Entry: h=1 m=31
